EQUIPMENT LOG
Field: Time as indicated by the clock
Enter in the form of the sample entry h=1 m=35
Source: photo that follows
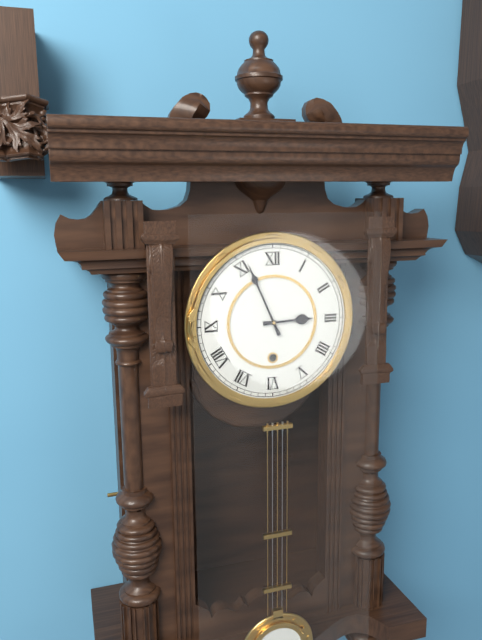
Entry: h=2 m=56
